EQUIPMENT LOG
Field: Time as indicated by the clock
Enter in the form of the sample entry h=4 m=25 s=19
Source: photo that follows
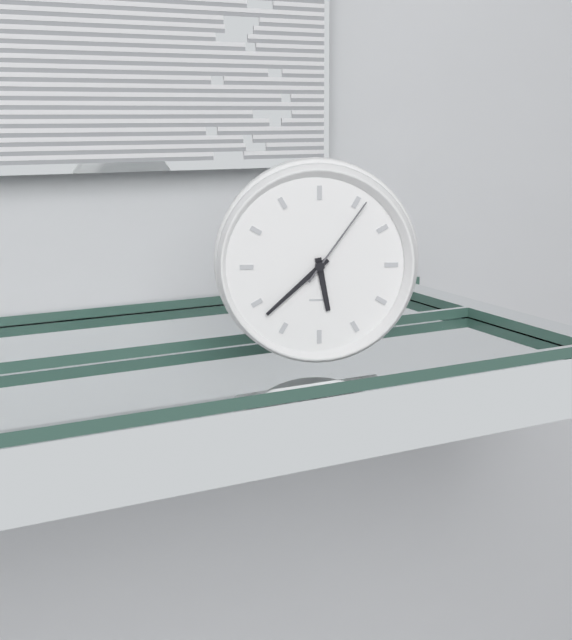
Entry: h=5 m=38 s=6
